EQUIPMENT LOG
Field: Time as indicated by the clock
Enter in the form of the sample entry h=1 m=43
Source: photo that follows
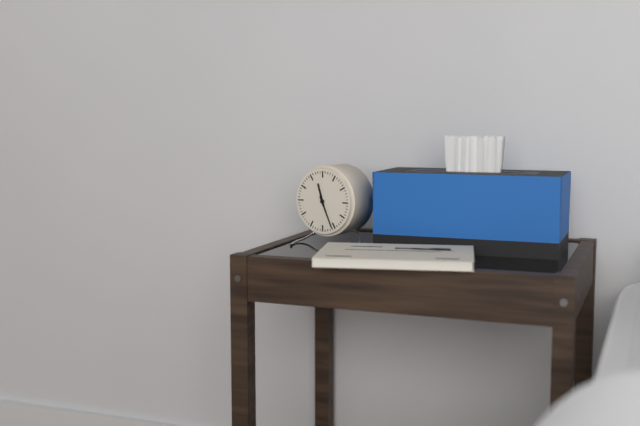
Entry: h=11 m=26
